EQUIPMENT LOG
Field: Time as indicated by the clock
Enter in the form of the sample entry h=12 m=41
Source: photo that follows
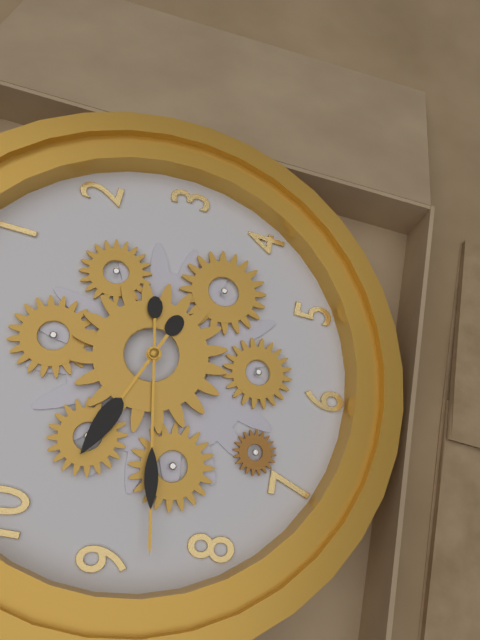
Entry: h=9 m=43
